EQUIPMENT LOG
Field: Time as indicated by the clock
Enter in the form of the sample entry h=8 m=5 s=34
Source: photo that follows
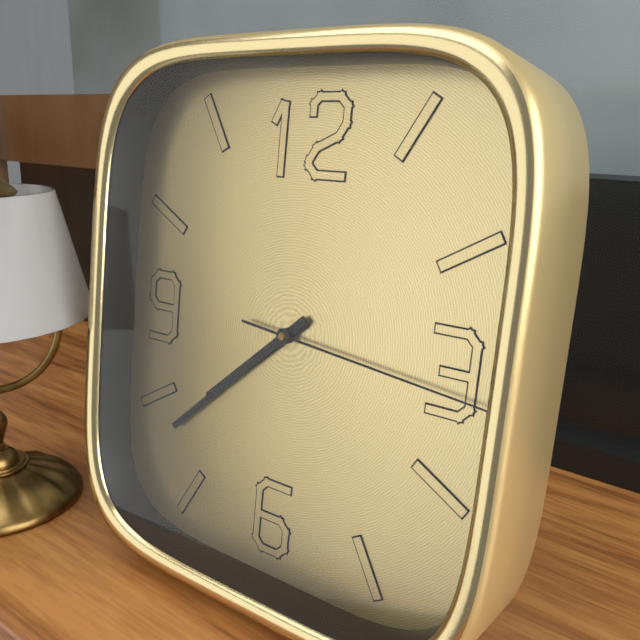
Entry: h=7 m=38 s=16
